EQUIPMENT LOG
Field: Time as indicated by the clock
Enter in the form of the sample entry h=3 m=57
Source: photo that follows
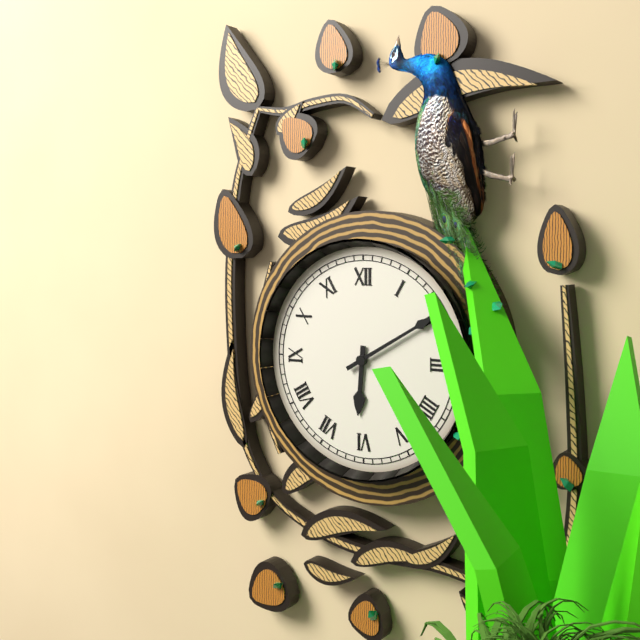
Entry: h=6 m=10
